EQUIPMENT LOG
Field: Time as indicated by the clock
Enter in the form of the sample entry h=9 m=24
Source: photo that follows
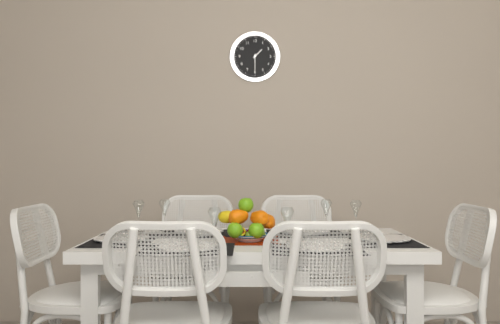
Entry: h=1 m=30
